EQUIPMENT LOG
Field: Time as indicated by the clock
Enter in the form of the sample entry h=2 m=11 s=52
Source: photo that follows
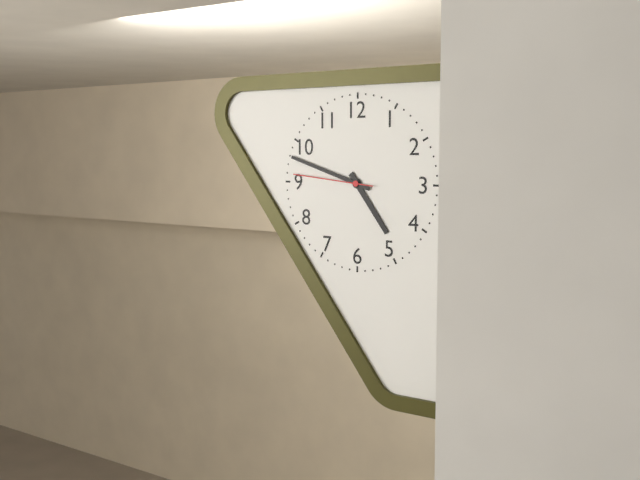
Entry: h=4 m=48 s=46
